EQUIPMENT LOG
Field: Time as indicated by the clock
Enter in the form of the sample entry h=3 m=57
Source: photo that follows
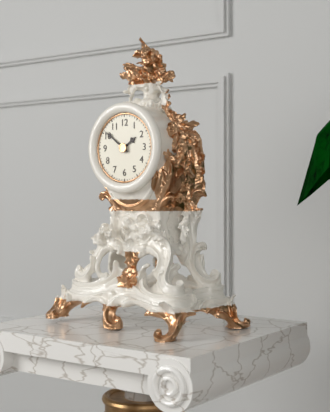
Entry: h=1 m=51
